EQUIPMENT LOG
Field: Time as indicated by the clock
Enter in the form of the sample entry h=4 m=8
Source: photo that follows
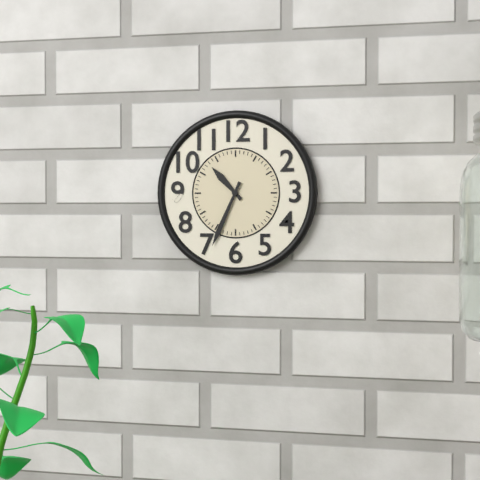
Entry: h=10 m=34
